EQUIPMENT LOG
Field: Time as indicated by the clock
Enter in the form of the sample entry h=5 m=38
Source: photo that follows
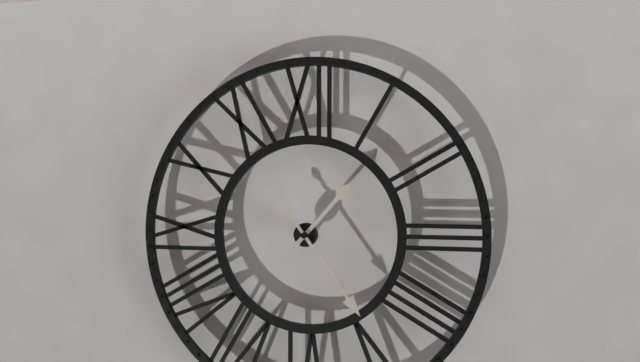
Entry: h=1 m=24
